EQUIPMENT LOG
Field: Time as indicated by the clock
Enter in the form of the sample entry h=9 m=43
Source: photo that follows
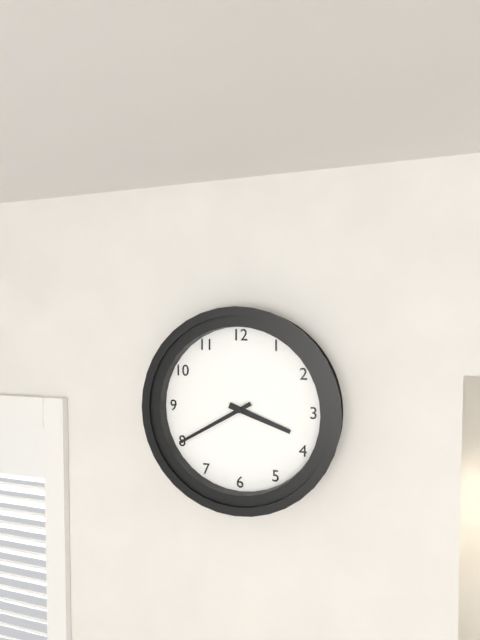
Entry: h=3 m=40
